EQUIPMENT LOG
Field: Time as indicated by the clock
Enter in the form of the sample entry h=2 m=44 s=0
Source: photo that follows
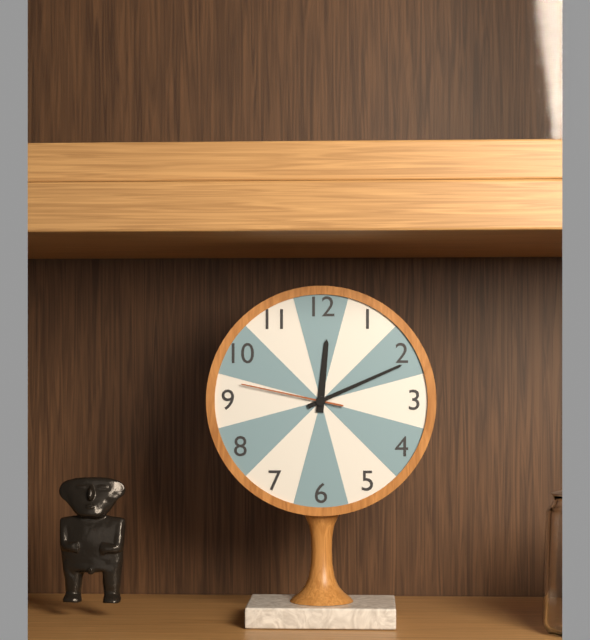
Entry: h=12 m=11 s=47
